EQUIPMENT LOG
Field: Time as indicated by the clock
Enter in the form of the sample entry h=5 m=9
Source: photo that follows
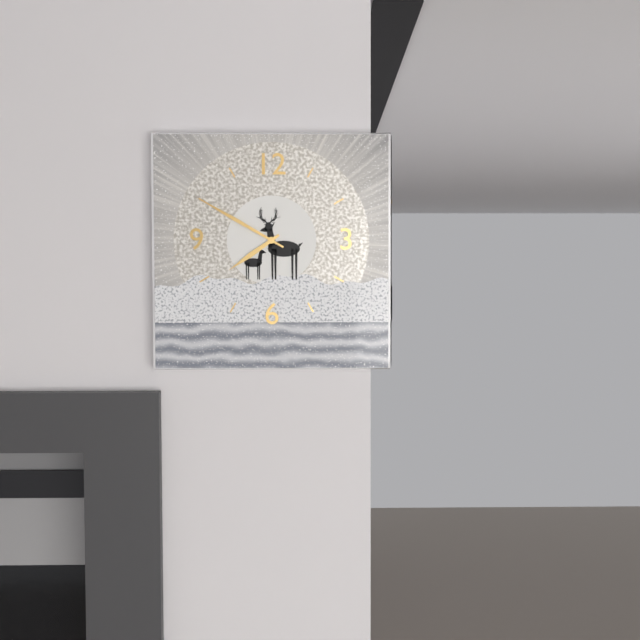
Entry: h=7 m=50
